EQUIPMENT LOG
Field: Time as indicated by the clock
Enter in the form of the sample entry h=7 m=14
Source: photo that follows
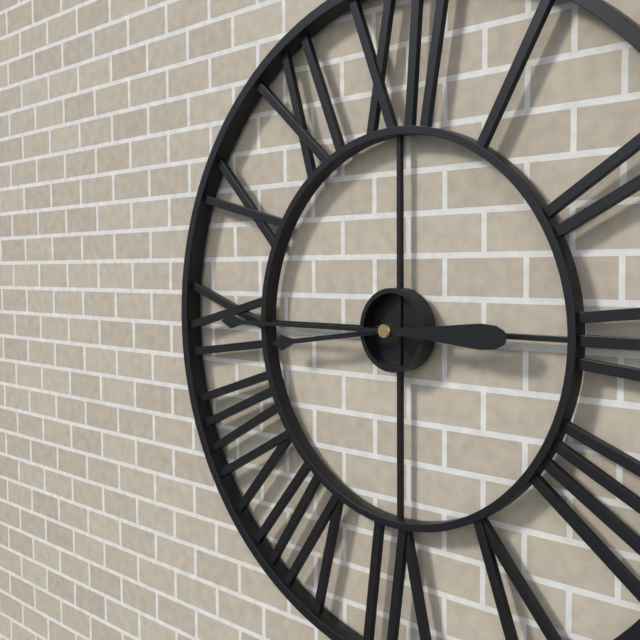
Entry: h=8 m=45
